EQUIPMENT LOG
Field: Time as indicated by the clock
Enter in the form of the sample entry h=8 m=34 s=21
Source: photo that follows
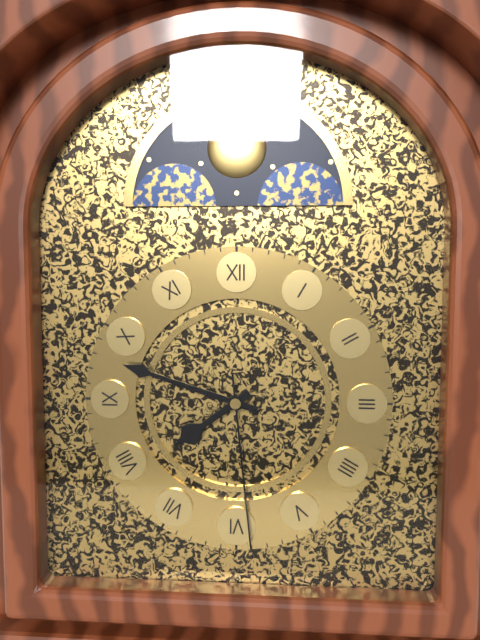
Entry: h=7 m=48 s=29
